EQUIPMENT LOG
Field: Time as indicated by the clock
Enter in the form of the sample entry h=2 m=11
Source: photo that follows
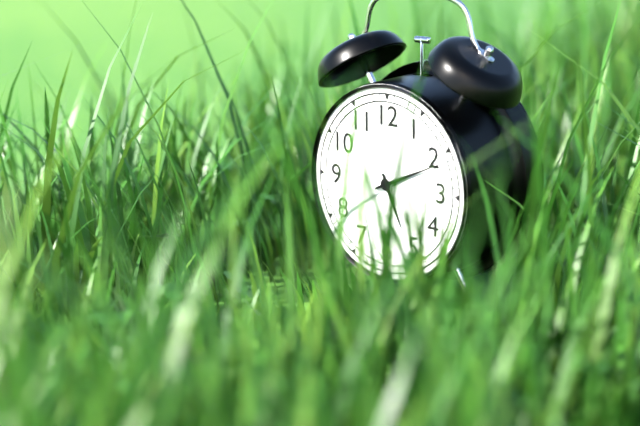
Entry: h=5 m=11
